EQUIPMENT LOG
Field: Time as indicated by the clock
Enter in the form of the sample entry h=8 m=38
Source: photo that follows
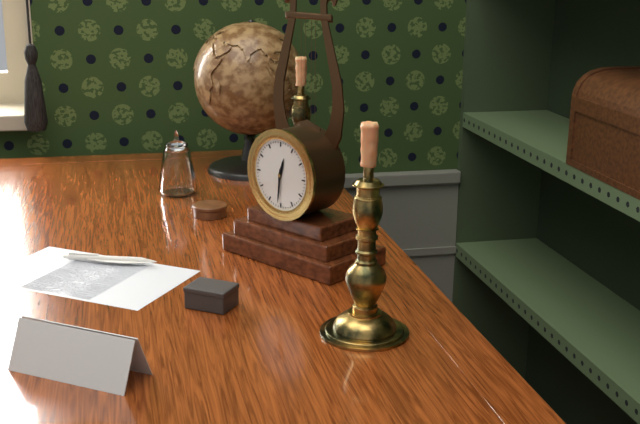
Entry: h=12 m=31
